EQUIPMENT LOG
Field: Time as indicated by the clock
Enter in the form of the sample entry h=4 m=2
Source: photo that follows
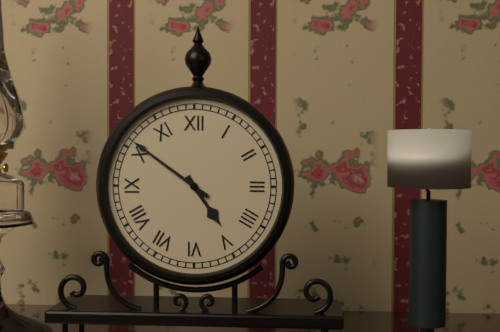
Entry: h=4 m=51
